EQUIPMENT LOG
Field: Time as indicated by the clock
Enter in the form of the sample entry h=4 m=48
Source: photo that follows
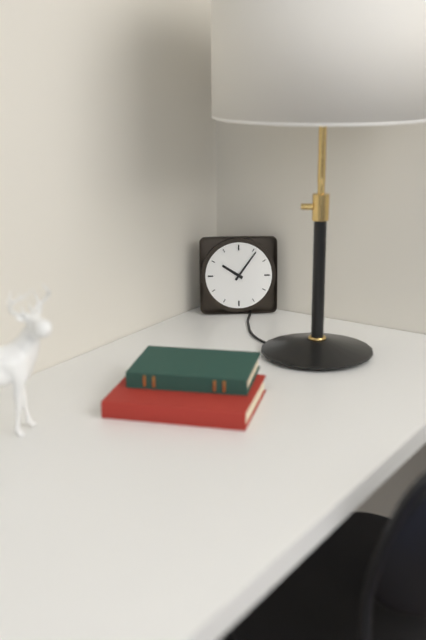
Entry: h=10 m=6
